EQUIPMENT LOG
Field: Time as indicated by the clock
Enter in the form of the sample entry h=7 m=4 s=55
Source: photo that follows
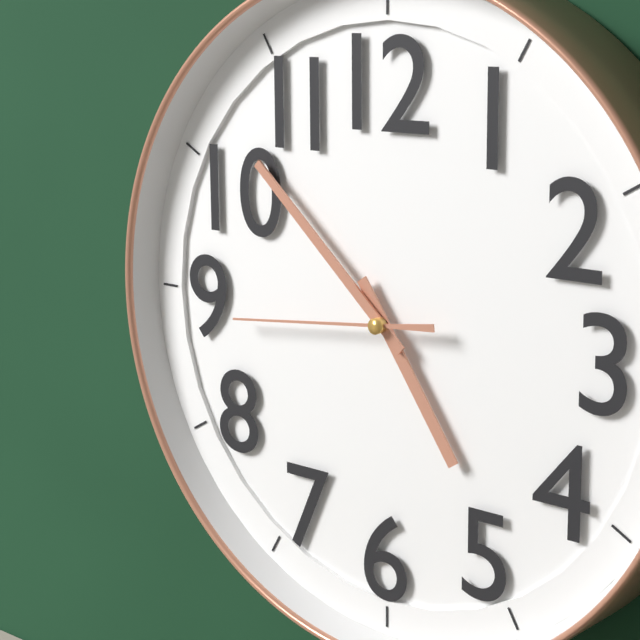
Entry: h=4 m=52 s=44
